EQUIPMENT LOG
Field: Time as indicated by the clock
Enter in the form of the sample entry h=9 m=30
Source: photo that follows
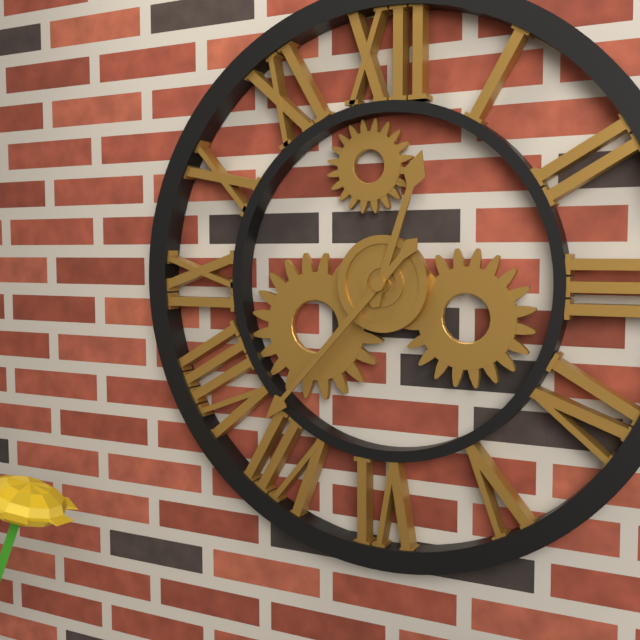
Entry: h=12 m=37
